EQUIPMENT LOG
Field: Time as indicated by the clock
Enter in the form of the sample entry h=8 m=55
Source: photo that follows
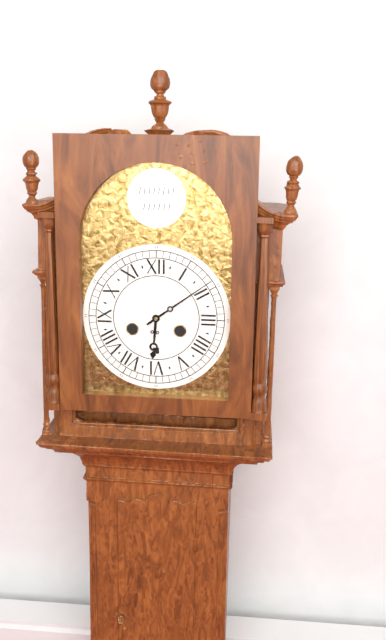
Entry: h=6 m=9
